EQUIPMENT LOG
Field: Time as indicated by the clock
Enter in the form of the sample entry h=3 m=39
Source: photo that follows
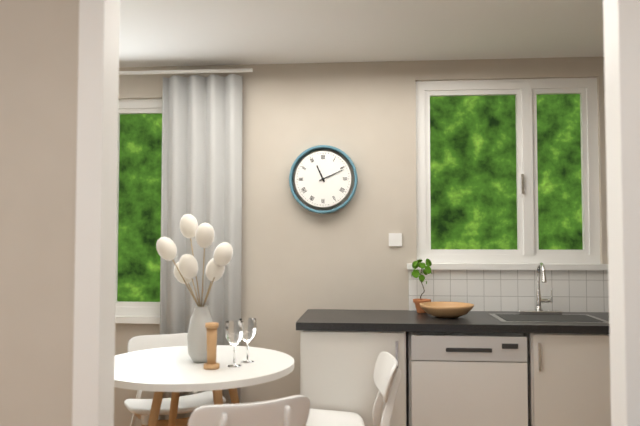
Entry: h=11 m=11
